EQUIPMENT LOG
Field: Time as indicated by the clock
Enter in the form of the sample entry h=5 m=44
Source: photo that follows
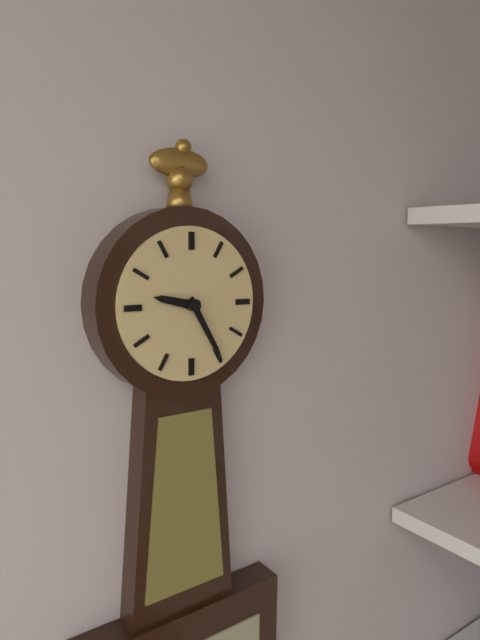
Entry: h=9 m=25
